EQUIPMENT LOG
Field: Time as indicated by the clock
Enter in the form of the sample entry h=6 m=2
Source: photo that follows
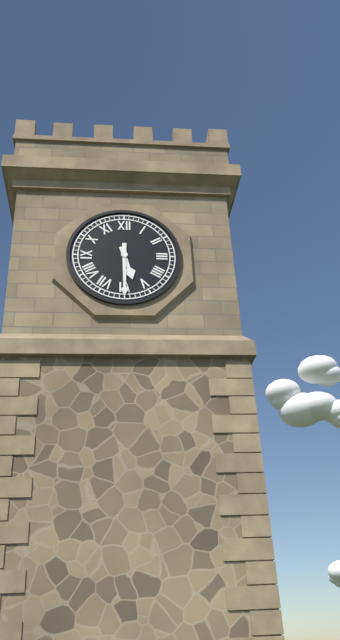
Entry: h=5 m=30
